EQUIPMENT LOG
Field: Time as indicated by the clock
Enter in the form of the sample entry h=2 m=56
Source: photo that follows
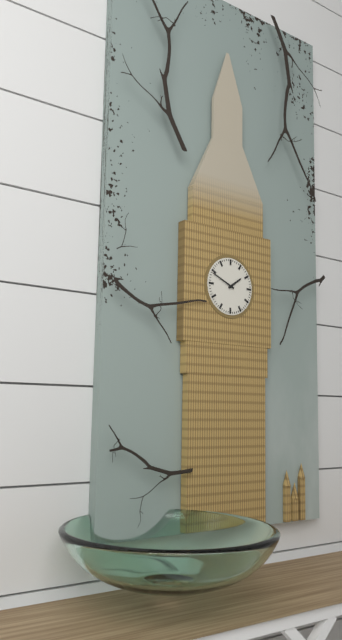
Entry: h=1 m=49
